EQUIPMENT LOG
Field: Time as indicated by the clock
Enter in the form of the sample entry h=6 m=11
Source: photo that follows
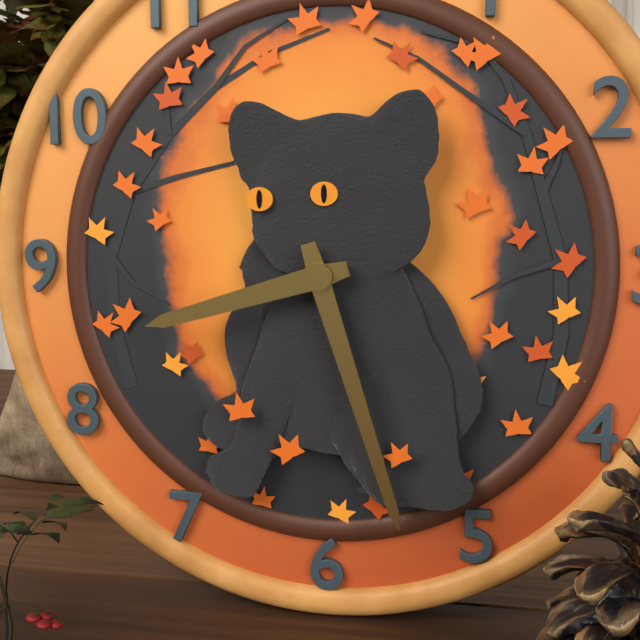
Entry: h=8 m=27
